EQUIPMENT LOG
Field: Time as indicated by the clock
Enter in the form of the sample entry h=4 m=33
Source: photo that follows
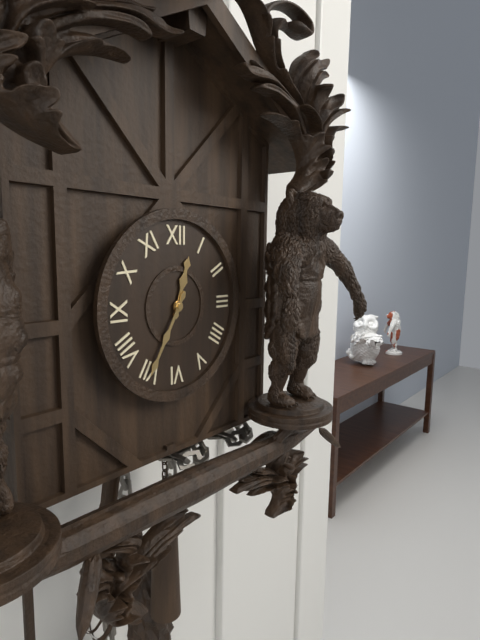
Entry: h=12 m=35
